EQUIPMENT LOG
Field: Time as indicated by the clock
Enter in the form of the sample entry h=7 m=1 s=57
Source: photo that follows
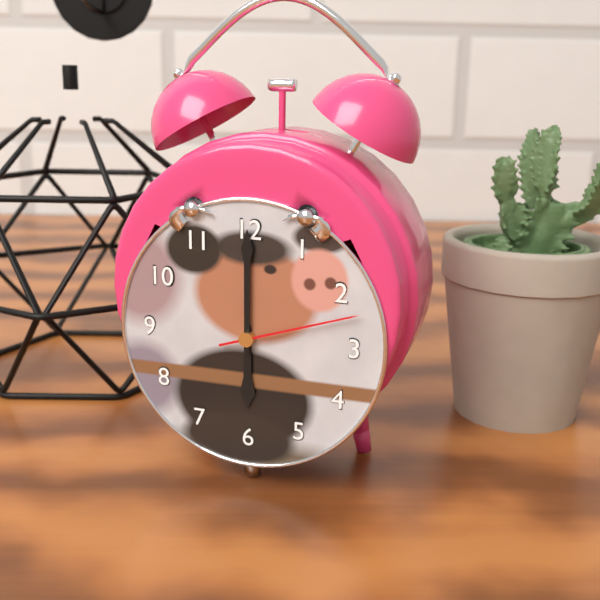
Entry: h=6 m=0 s=12
